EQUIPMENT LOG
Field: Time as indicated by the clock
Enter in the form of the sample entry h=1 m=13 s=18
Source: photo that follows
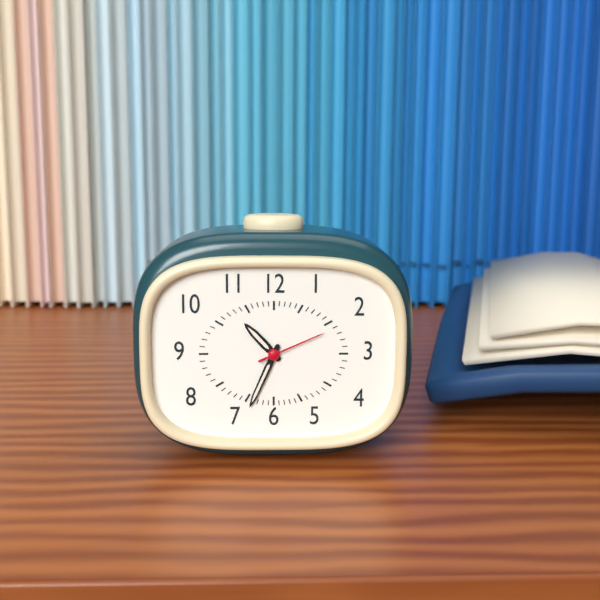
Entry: h=10 m=34 s=11
